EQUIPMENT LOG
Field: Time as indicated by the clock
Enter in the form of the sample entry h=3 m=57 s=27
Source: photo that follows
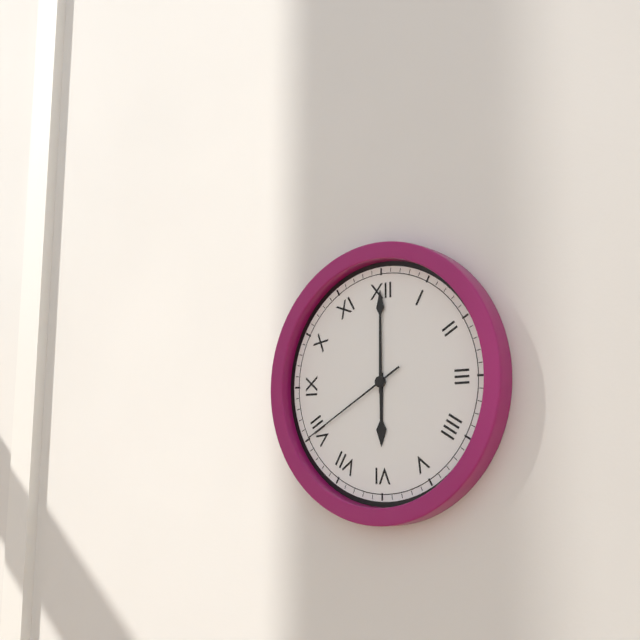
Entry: h=6 m=0 s=40
